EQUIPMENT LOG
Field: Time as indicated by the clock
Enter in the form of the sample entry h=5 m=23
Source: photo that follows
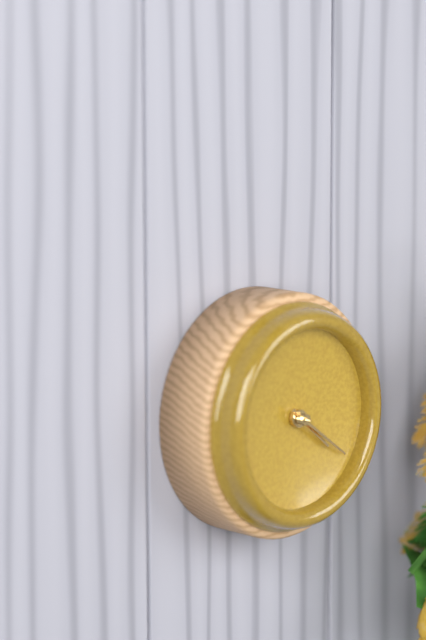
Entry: h=4 m=21
